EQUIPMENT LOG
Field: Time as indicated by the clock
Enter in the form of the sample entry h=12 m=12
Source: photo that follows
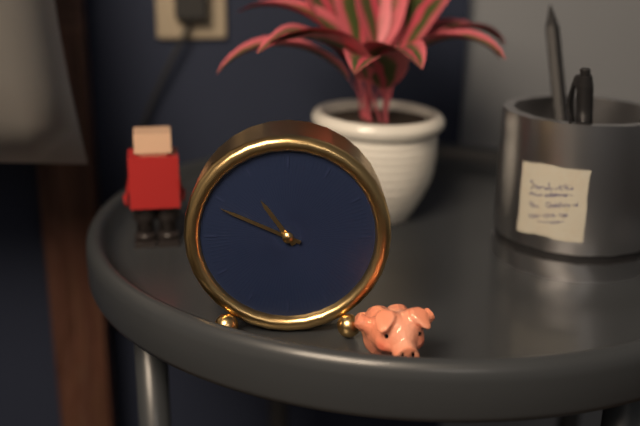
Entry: h=10 m=49
